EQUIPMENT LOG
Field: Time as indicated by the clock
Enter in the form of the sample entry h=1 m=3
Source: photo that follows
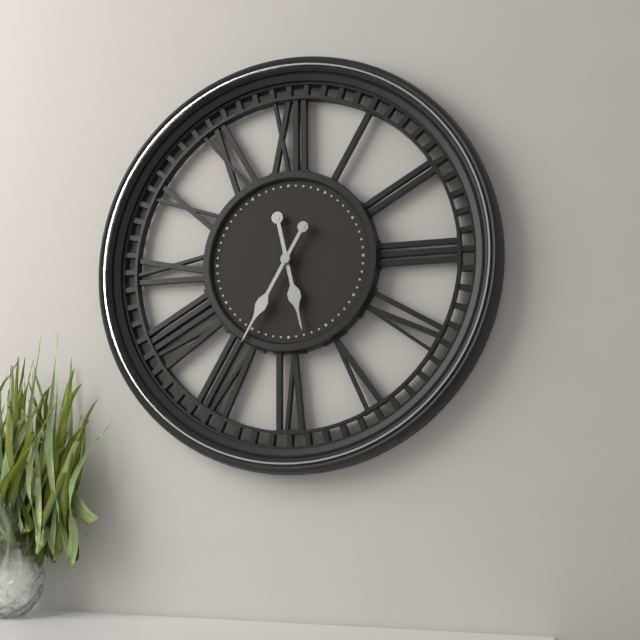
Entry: h=5 m=35
